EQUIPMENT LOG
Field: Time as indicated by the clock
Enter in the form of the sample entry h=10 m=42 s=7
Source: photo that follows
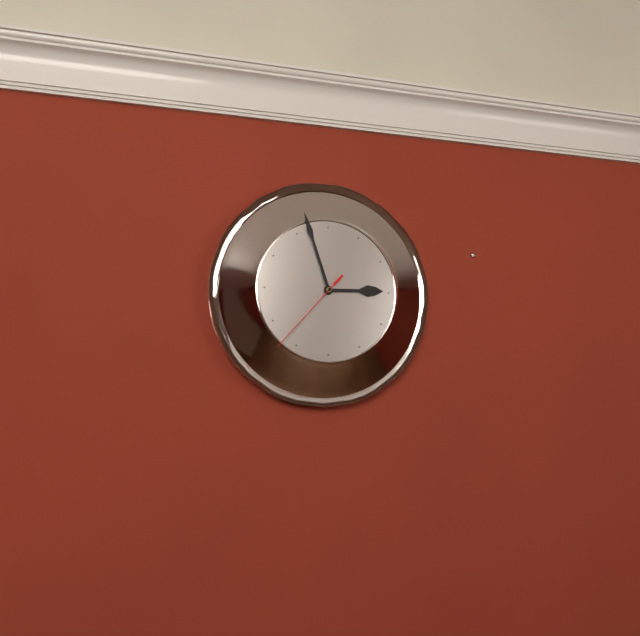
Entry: h=2 m=57 s=37
